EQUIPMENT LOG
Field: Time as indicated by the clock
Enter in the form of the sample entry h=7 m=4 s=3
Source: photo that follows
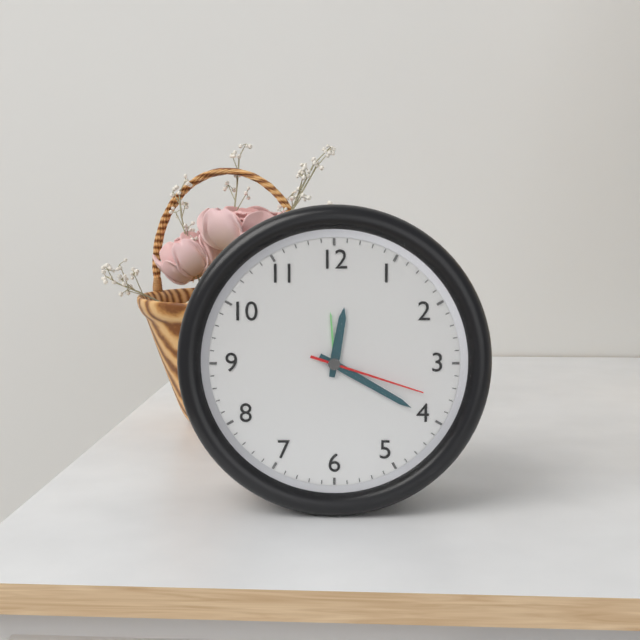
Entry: h=12 m=20 s=18
